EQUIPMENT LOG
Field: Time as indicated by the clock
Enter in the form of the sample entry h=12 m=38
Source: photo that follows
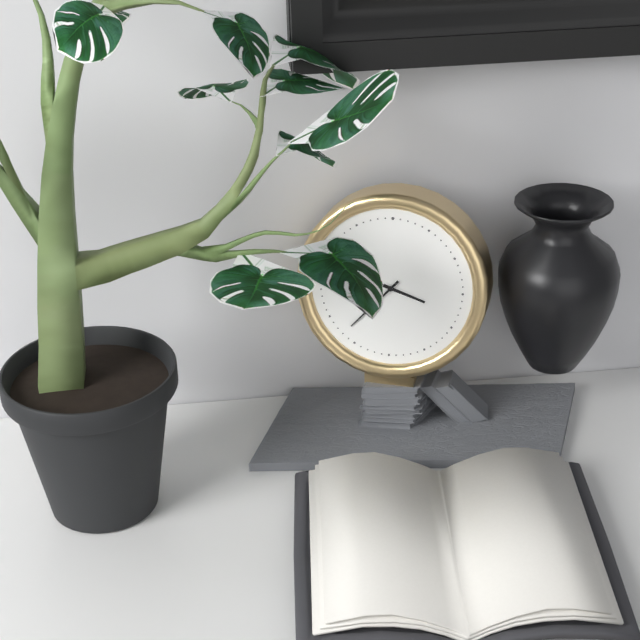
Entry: h=3 m=37
